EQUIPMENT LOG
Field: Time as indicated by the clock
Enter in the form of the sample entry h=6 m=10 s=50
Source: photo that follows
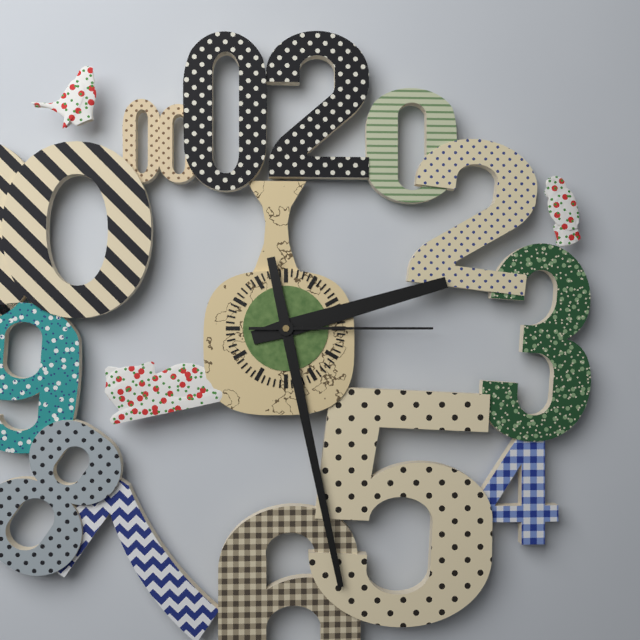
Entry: h=2 m=28 s=15
